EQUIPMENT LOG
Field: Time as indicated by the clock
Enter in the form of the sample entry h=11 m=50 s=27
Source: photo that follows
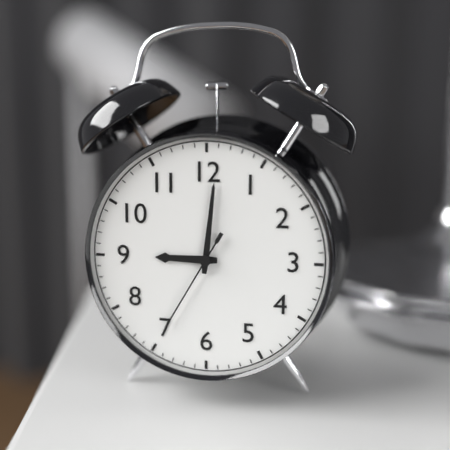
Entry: h=9 m=1 s=35
